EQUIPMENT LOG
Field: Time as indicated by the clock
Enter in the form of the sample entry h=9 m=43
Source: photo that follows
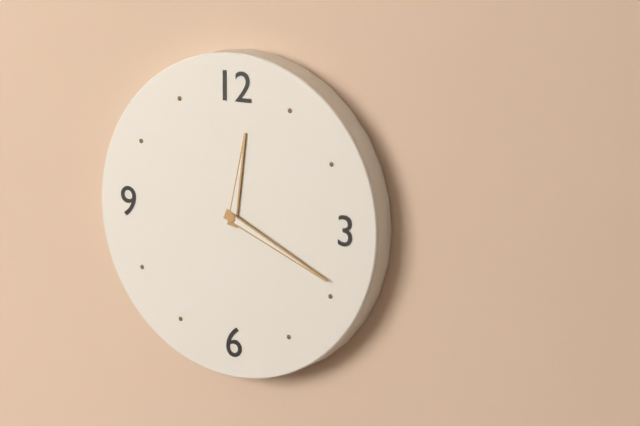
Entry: h=12 m=19
